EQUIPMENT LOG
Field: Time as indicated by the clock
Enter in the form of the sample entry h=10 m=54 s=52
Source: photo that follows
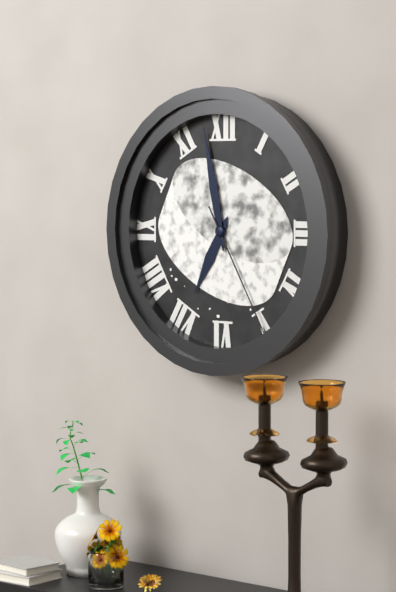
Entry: h=6 m=58 s=25
